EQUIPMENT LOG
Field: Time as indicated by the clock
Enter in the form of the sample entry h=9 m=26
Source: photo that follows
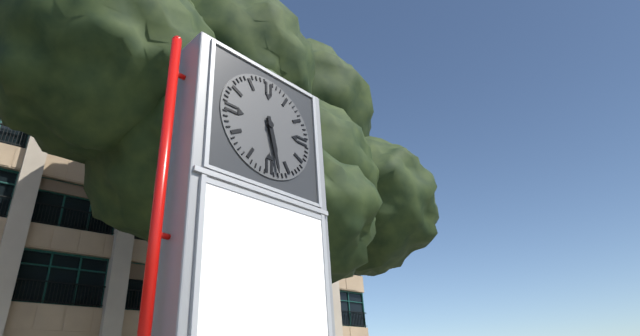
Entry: h=5 m=28
